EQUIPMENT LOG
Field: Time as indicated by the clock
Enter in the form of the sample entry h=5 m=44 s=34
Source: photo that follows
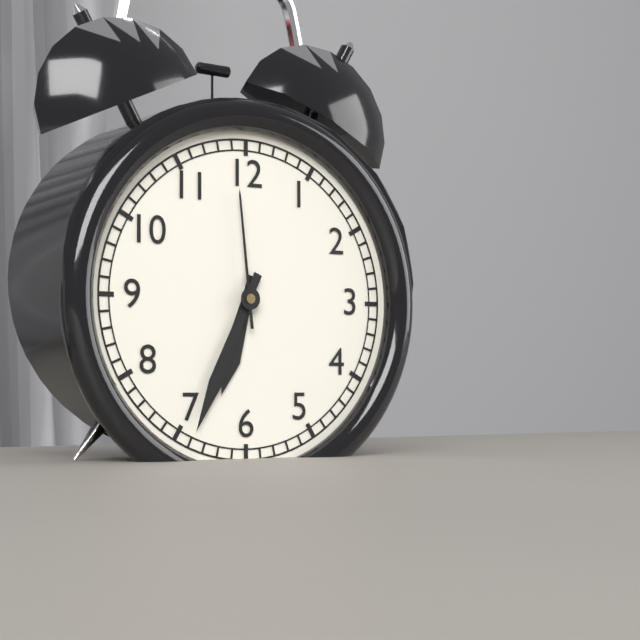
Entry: h=6 m=34 s=59
